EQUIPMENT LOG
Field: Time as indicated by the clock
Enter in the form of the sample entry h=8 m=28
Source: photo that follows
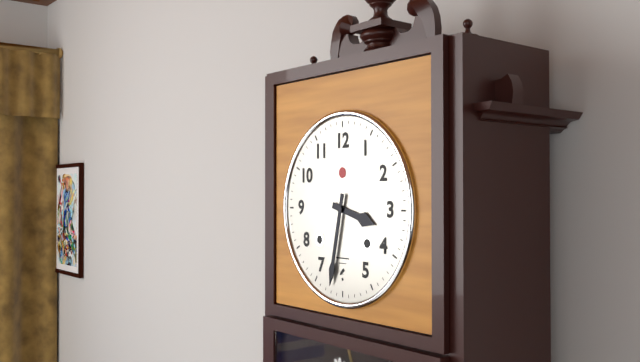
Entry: h=3 m=32
